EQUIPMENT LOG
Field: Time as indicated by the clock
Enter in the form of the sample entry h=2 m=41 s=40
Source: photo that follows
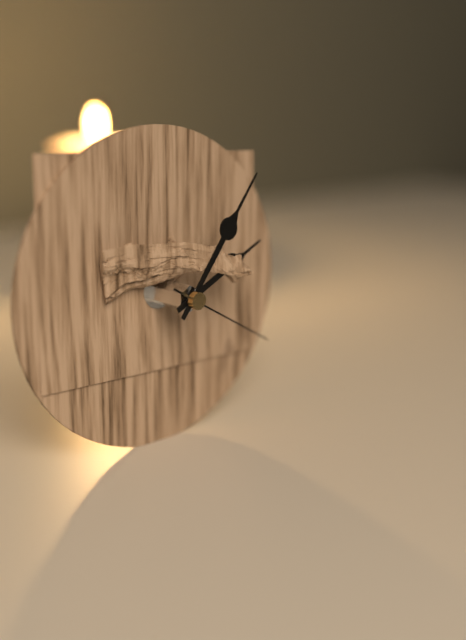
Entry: h=2 m=6 s=20
